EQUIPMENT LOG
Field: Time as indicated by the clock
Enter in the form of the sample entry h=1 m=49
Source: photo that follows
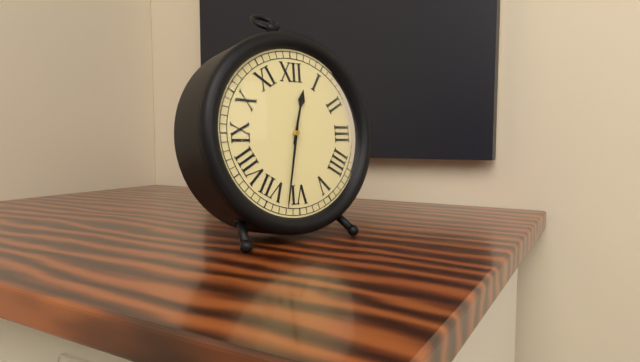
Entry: h=12 m=32
